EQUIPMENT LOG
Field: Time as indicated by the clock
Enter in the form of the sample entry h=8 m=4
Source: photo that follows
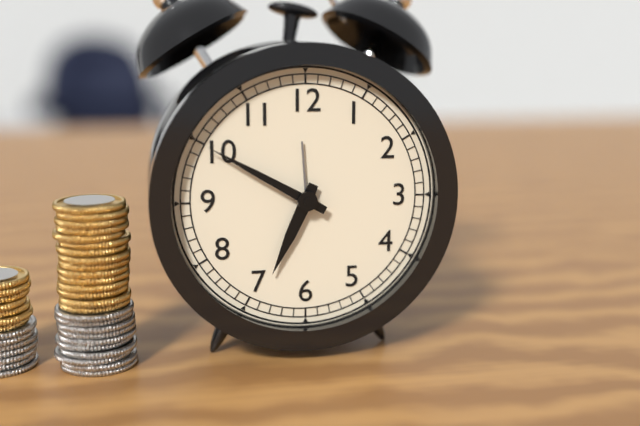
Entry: h=6 m=50
